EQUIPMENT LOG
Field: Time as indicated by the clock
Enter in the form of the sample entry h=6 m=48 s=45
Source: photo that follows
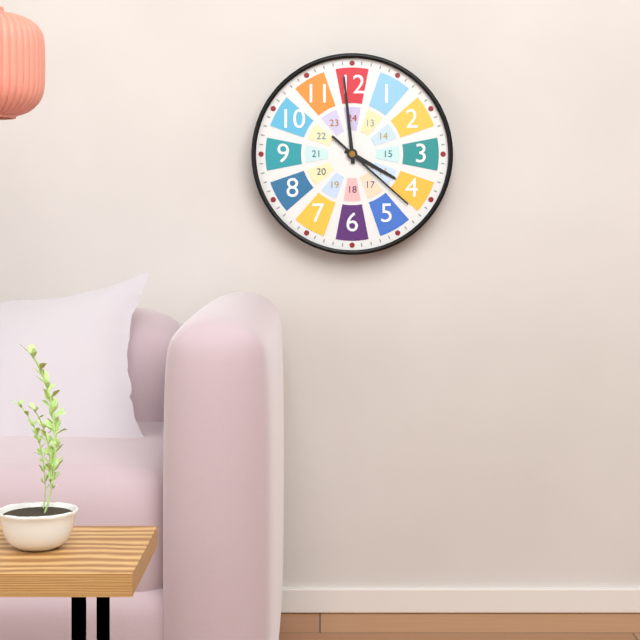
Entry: h=3 m=59 s=22
